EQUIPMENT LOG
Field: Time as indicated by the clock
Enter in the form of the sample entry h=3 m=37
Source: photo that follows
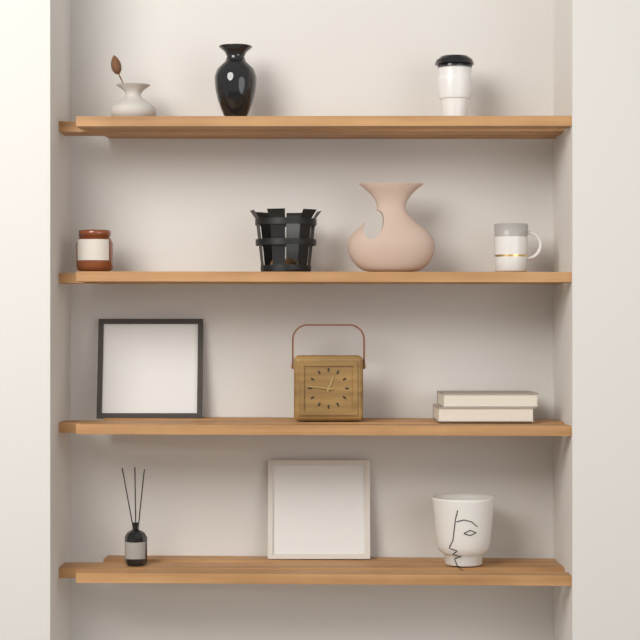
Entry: h=12 m=46
